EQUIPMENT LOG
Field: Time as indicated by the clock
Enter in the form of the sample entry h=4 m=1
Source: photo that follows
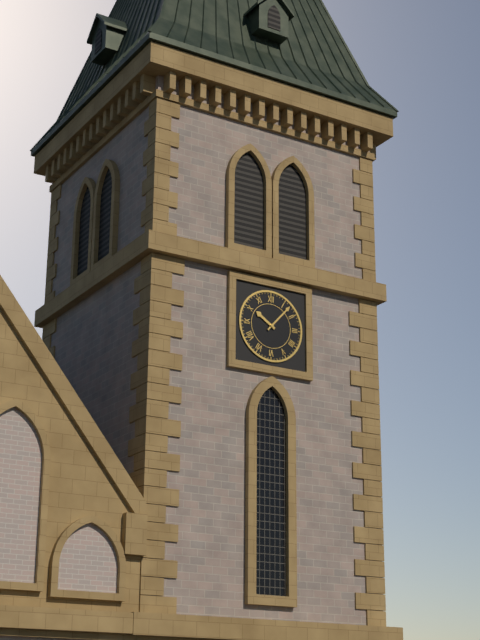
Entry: h=10 m=7
